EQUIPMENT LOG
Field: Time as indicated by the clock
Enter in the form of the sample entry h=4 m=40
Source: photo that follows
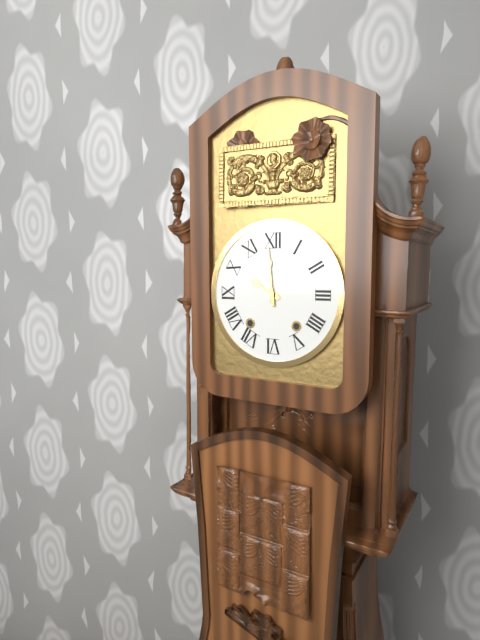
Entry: h=9 m=59
